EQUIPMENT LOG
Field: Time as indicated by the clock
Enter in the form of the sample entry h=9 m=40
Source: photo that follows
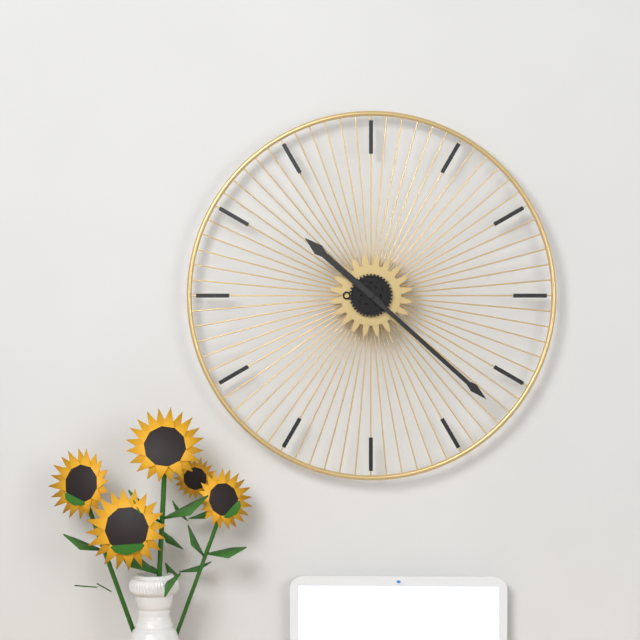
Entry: h=10 m=22
